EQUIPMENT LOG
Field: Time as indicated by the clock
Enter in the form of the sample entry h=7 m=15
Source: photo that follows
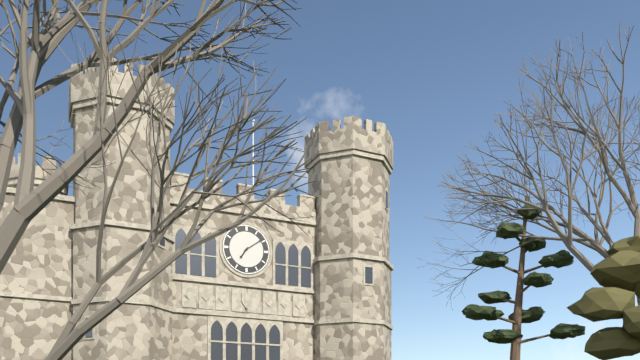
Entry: h=7 m=9
